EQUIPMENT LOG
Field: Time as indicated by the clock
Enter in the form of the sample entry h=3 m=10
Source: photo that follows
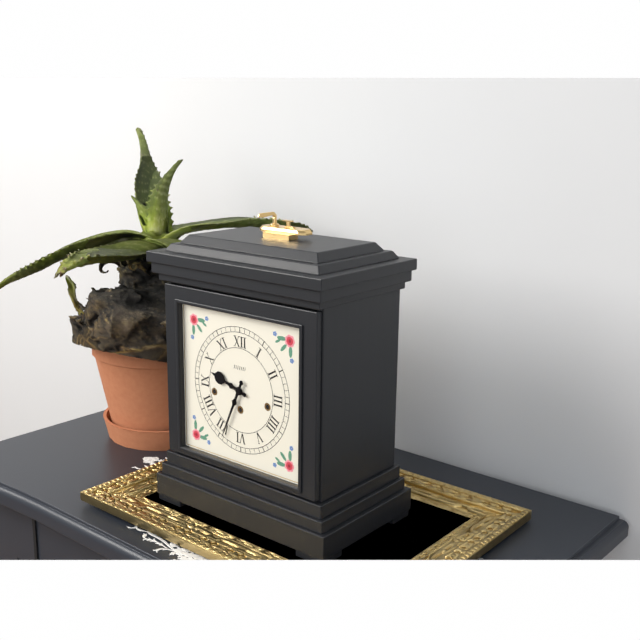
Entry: h=9 m=34
